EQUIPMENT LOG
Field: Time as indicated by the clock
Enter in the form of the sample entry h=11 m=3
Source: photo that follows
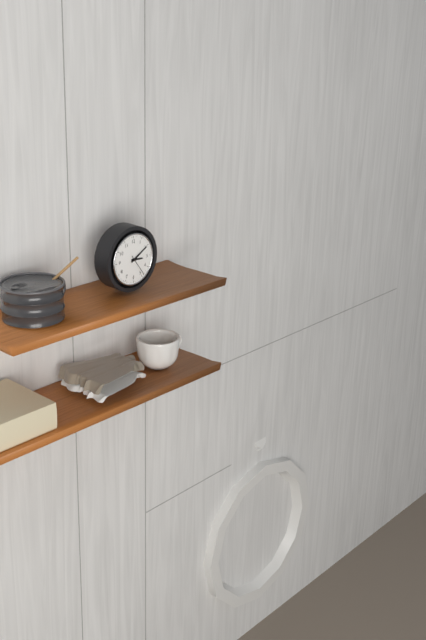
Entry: h=3 m=10
